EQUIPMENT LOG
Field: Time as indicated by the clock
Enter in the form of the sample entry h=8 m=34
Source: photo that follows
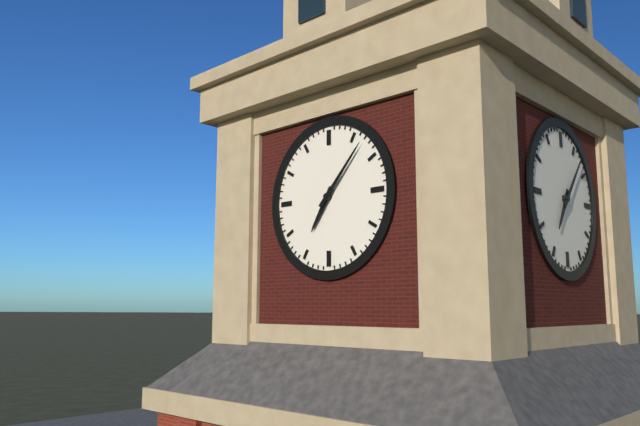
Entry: h=7 m=7
